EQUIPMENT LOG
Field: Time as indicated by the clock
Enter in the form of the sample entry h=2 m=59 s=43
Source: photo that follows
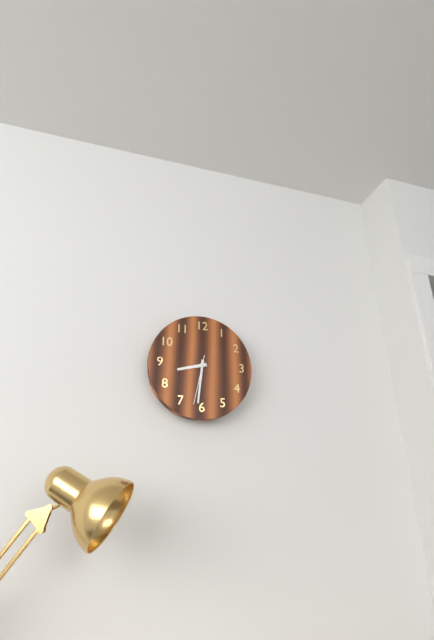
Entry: h=8 m=31 s=32
